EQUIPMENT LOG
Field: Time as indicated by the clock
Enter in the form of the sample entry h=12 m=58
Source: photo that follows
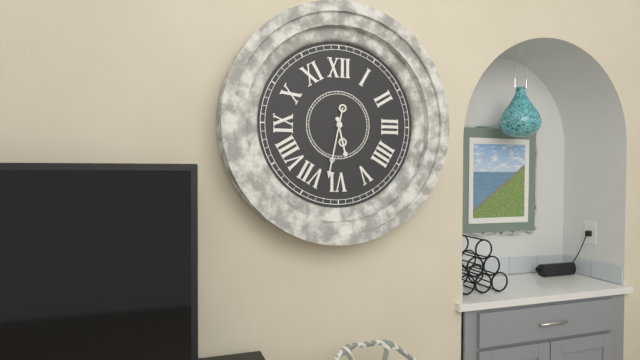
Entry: h=5 m=32
